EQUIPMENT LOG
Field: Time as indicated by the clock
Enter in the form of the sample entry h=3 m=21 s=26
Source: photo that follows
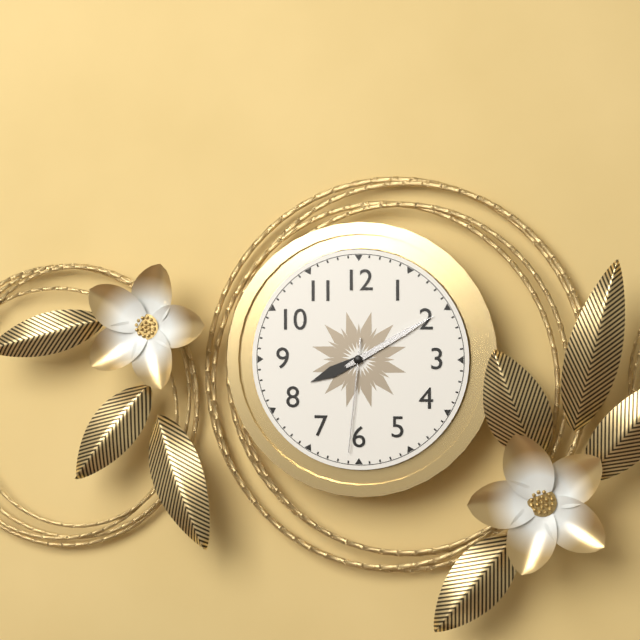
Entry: h=8 m=10 s=31
